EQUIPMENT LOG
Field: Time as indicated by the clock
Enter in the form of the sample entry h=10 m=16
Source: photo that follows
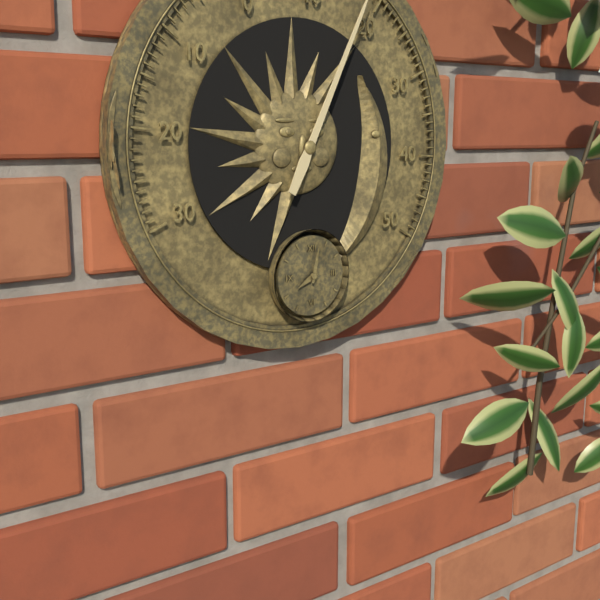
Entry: h=8 m=2
